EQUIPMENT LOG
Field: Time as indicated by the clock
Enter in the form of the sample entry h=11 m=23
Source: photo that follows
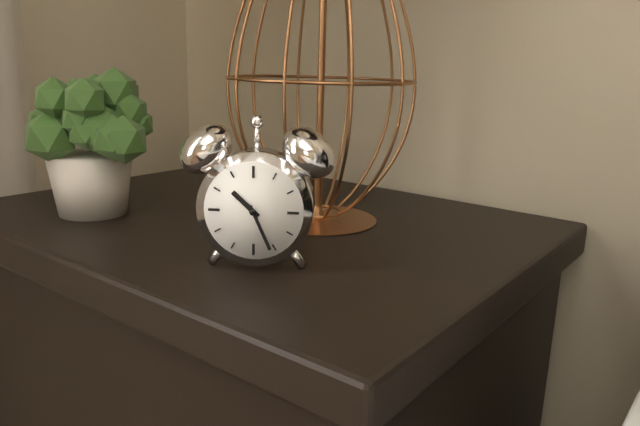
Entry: h=10 m=26
